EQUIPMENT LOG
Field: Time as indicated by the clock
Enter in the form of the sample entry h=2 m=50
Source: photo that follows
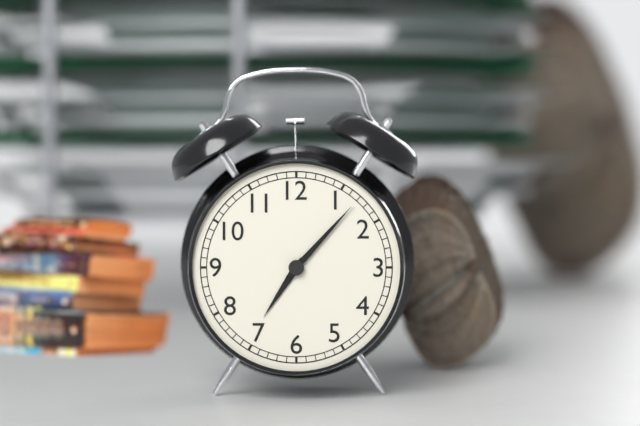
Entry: h=7 m=7
